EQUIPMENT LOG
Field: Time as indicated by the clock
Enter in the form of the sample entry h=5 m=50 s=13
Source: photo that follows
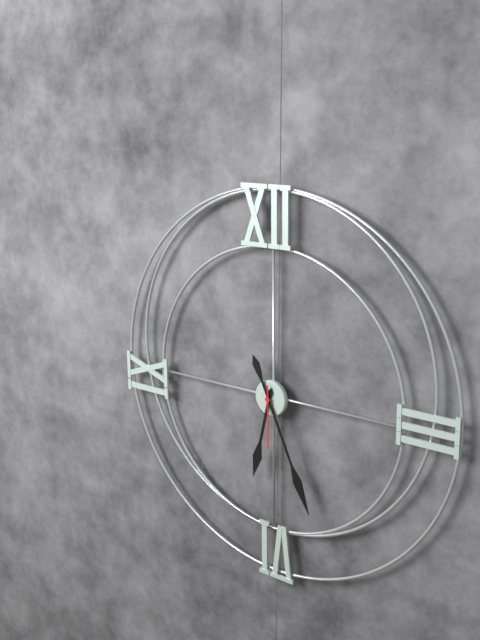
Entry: h=6 m=26 s=30
